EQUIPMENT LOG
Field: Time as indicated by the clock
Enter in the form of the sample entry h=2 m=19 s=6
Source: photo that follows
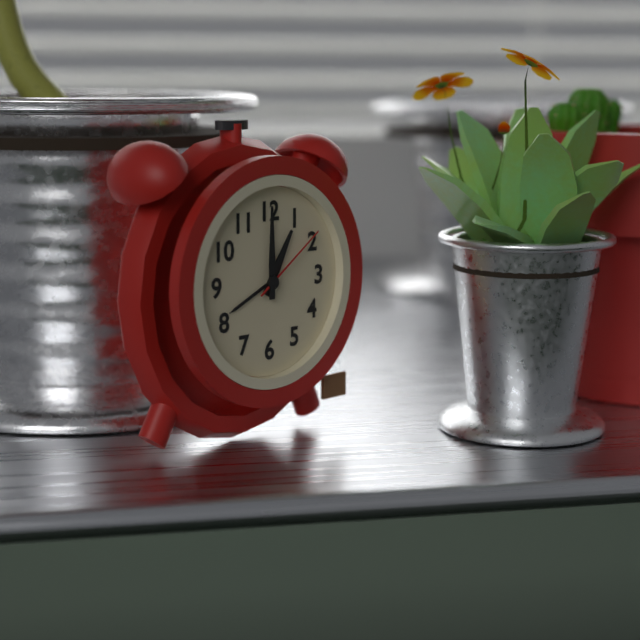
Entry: h=1 m=0 s=9
